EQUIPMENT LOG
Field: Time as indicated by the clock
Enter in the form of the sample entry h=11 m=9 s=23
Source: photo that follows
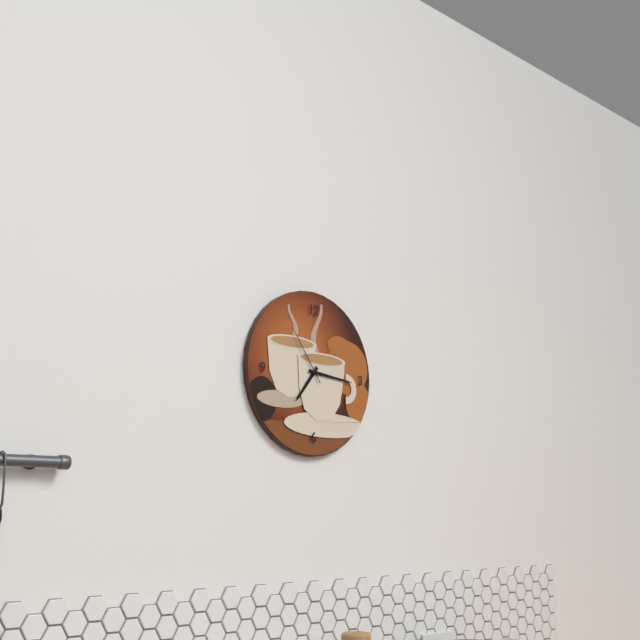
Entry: h=7 m=16 s=54
